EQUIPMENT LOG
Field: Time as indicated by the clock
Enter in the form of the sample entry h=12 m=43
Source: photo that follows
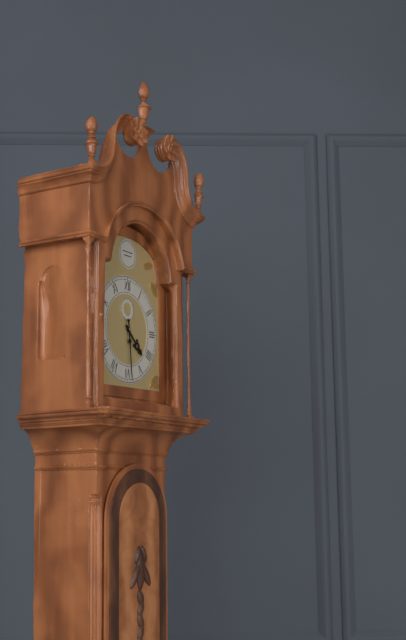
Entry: h=4 m=29
